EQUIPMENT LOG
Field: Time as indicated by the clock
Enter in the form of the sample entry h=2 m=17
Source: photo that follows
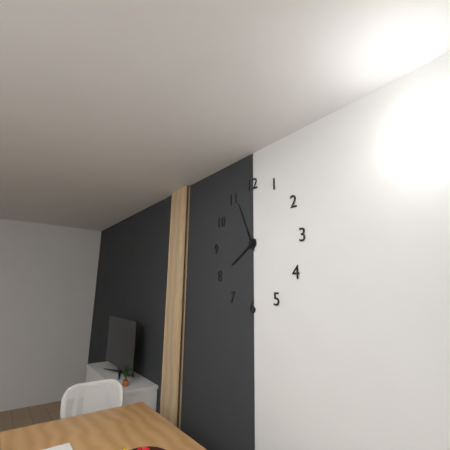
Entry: h=7 m=56
